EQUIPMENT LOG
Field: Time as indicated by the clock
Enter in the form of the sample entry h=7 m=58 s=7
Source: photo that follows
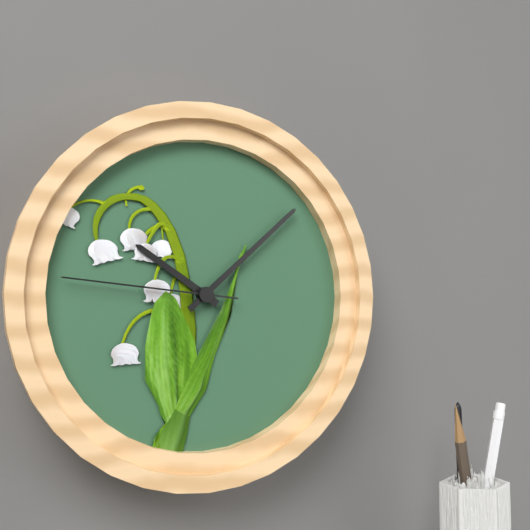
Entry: h=10 m=8 s=46
